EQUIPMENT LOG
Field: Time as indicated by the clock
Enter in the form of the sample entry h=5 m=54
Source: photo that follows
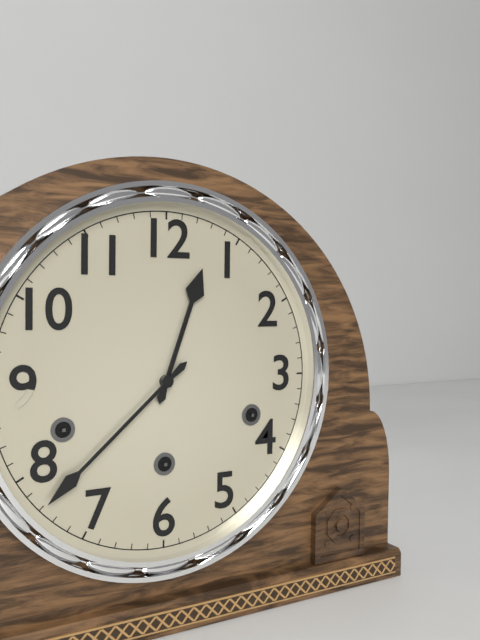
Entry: h=12 m=38
